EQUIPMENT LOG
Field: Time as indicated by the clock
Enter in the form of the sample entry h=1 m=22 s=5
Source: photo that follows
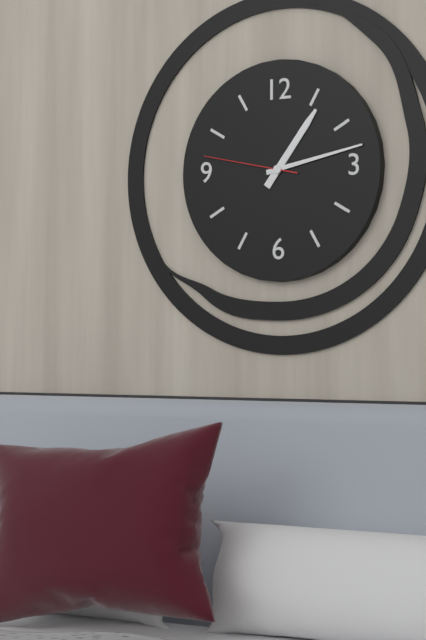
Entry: h=1 m=13 s=47
